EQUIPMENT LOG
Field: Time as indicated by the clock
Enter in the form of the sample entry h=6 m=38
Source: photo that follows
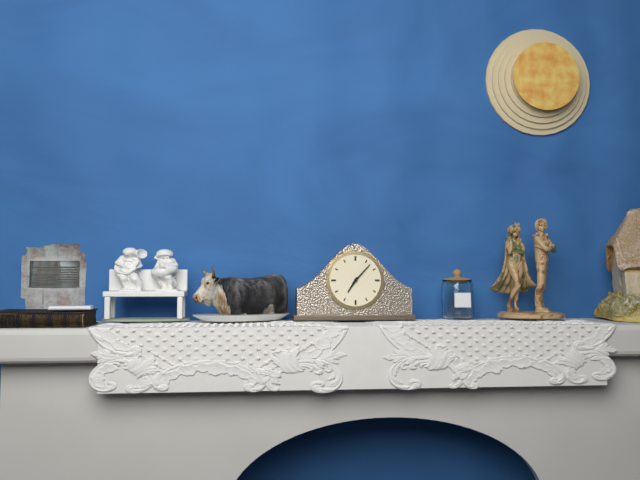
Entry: h=7 m=7
